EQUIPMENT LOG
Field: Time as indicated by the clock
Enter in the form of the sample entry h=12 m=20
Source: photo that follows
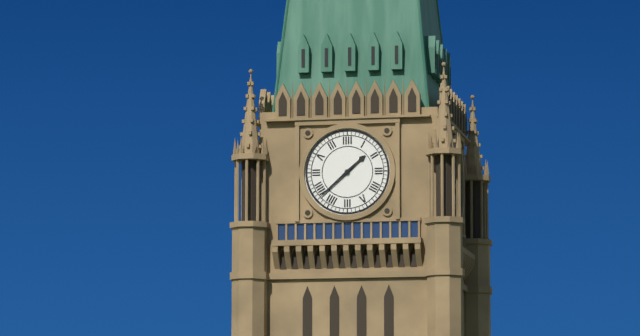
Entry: h=1 m=38
